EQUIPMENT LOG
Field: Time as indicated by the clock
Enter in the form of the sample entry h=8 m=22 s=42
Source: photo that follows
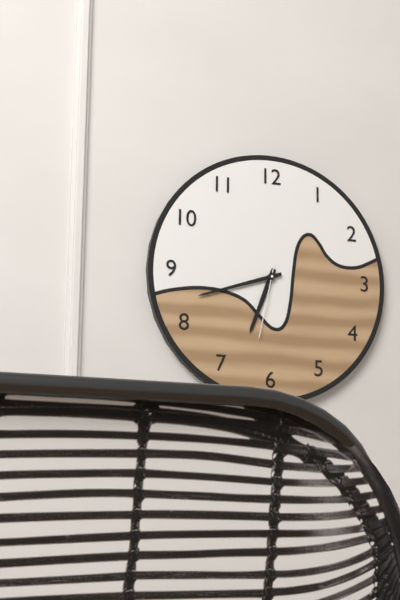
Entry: h=6 m=42 s=32
